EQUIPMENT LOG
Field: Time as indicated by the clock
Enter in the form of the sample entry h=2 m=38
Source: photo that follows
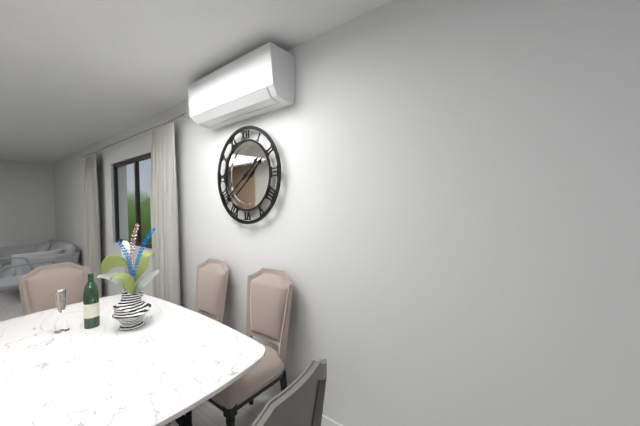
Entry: h=1 m=39
